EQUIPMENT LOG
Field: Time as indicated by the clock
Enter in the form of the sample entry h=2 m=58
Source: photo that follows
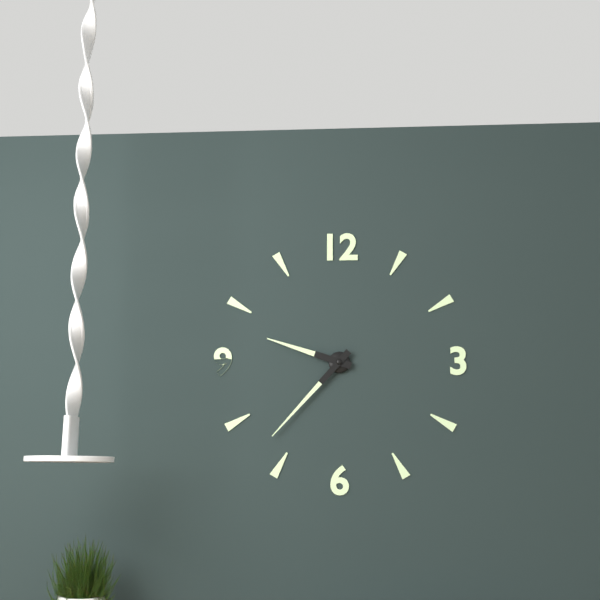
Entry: h=9 m=37
